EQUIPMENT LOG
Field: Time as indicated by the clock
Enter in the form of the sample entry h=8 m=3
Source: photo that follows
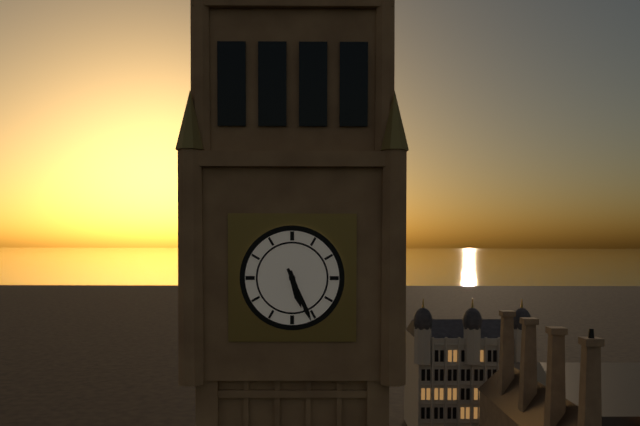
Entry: h=5 m=26
